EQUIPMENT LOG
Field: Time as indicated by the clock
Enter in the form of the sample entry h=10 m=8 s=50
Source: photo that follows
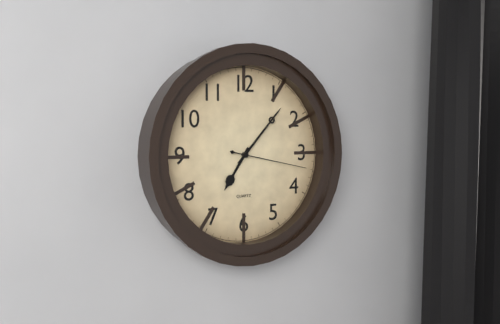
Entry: h=7 m=7 s=17
